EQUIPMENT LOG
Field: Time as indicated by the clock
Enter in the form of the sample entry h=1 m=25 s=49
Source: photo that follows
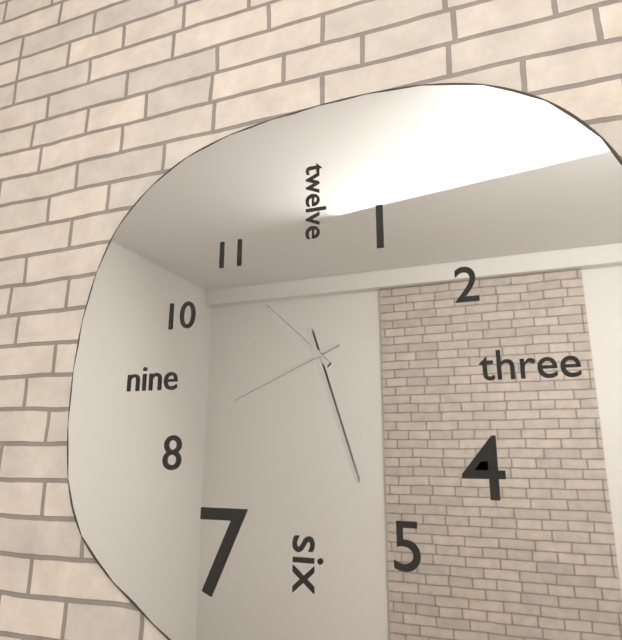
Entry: h=10 m=27 s=41
